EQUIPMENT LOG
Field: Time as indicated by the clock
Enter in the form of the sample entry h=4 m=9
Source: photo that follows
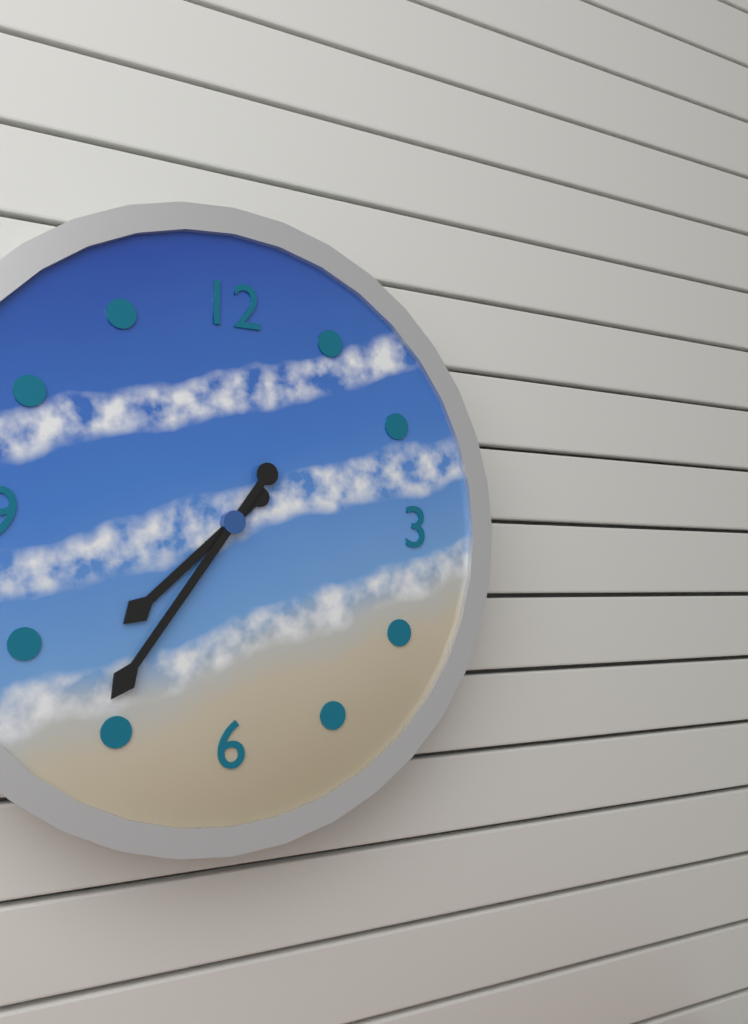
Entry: h=7 m=36
